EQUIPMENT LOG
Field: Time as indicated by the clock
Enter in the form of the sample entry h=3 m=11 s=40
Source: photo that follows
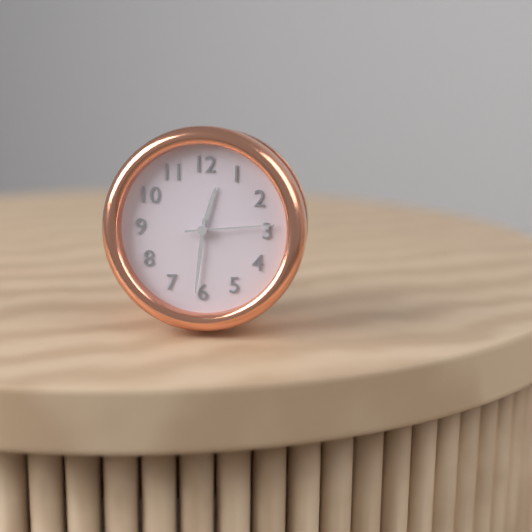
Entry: h=12 m=31 s=14
